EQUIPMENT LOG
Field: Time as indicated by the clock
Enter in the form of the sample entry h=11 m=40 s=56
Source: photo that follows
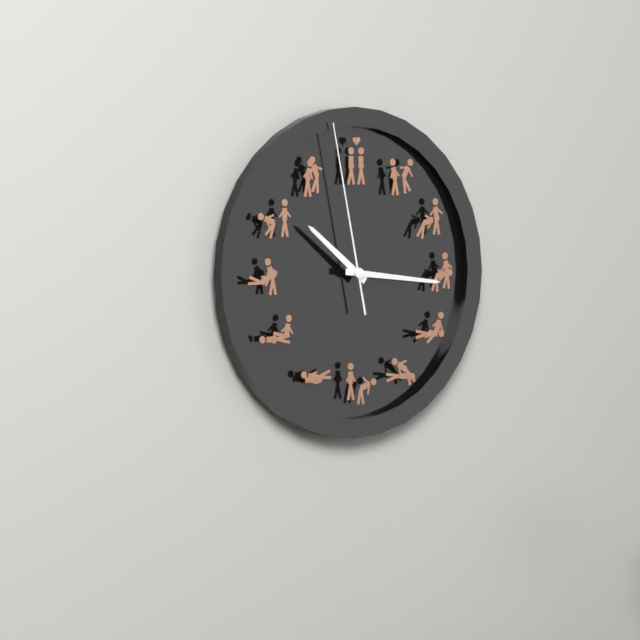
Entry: h=10 m=16 s=58
